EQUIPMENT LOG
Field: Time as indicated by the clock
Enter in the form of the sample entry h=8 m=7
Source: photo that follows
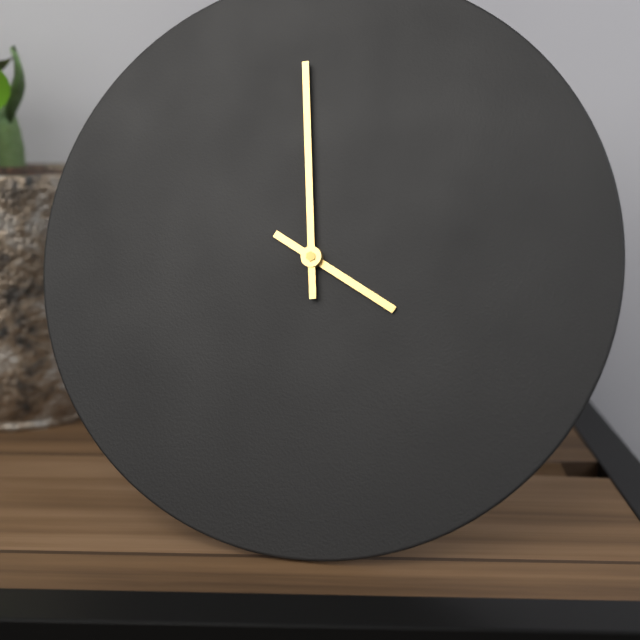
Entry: h=3 m=59
